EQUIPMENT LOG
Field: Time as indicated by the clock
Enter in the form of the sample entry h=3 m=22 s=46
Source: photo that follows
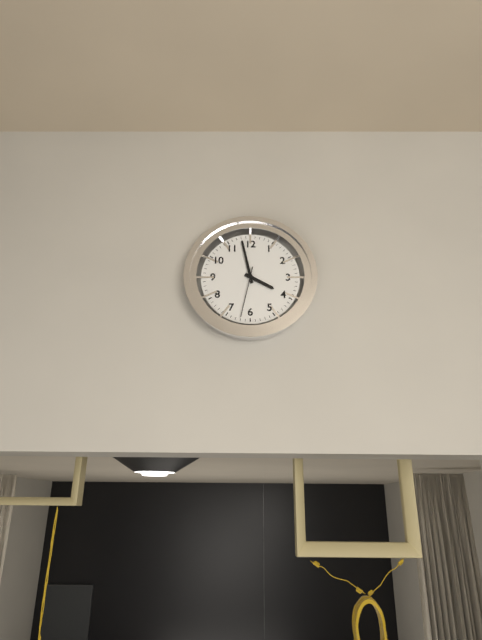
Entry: h=3 m=58 s=32
